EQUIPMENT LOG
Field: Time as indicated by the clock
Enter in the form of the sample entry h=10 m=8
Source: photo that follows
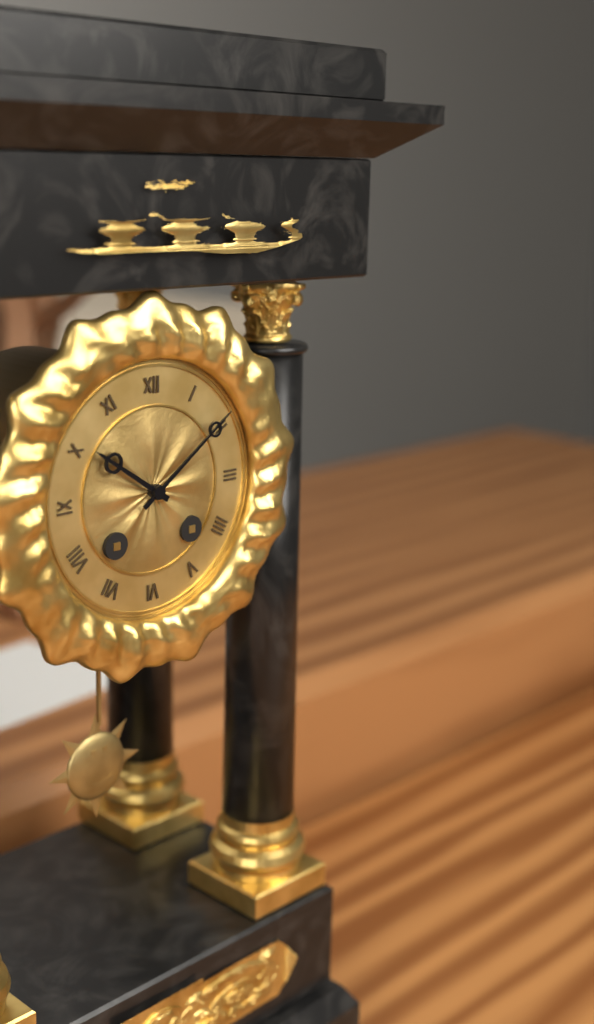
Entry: h=10 m=9
